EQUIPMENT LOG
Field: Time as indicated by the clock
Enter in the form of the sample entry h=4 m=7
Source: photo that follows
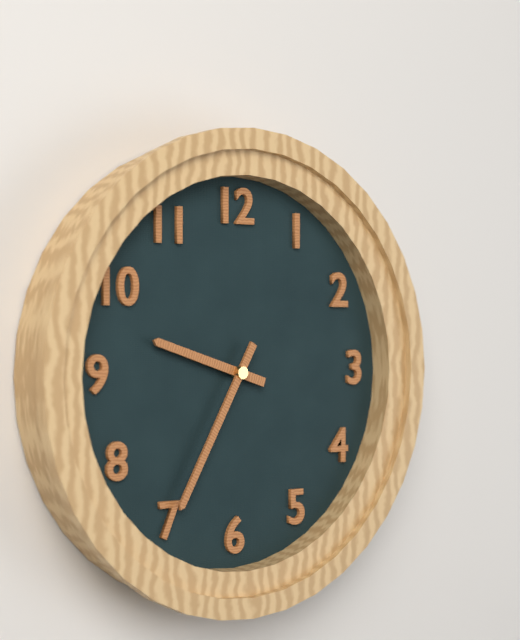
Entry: h=9 m=35
